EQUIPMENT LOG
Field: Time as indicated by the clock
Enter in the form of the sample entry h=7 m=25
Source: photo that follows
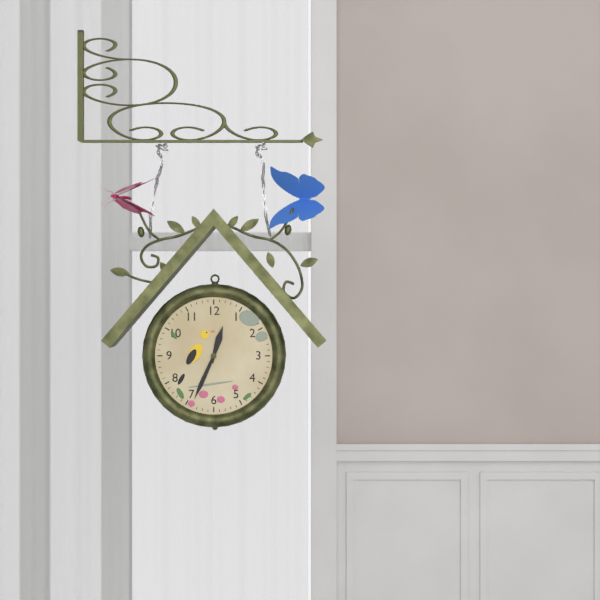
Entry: h=12 m=34
